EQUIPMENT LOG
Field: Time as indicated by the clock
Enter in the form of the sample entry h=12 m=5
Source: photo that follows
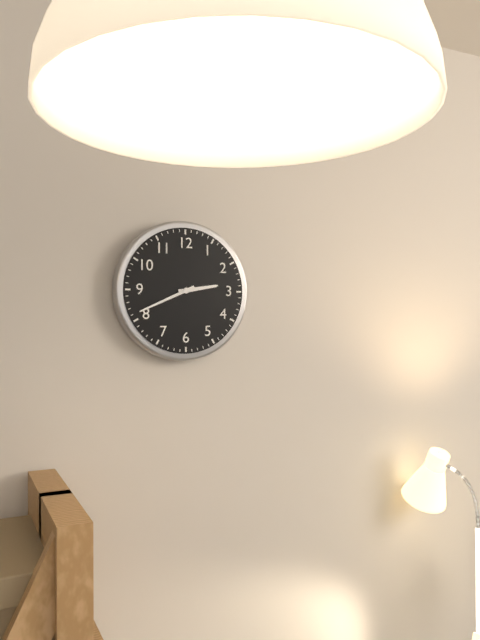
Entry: h=2 m=41
